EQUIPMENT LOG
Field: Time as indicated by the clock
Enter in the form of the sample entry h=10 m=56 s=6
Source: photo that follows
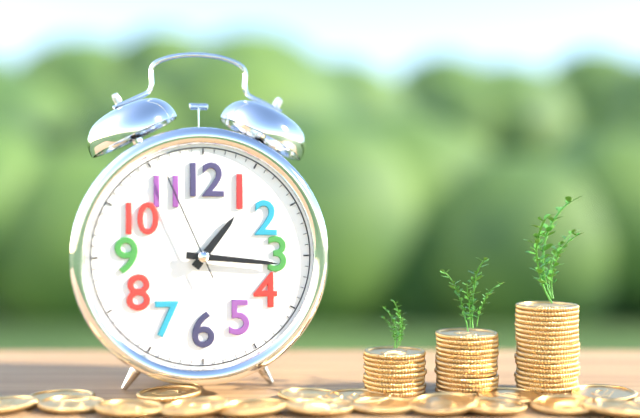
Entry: h=1 m=16 s=56
